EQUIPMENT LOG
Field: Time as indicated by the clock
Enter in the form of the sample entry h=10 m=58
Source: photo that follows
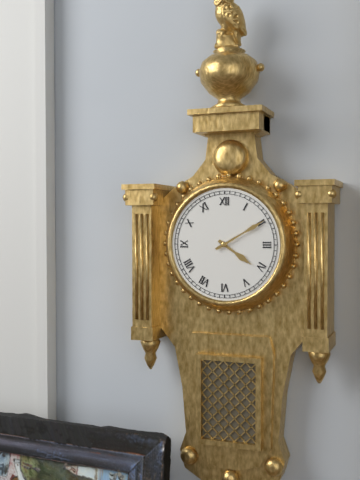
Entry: h=4 m=10
